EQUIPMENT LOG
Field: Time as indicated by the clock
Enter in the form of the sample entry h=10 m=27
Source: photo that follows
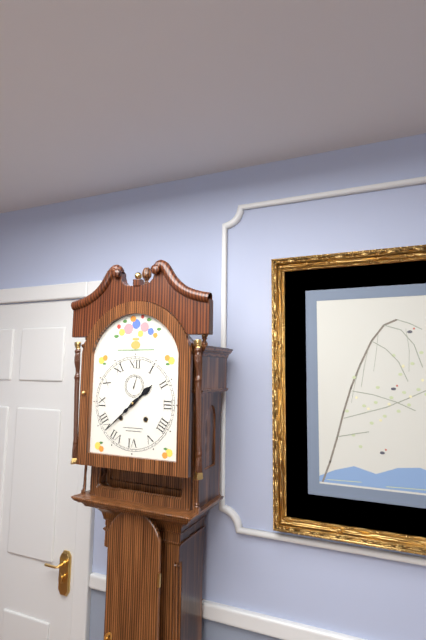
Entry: h=1 m=38
